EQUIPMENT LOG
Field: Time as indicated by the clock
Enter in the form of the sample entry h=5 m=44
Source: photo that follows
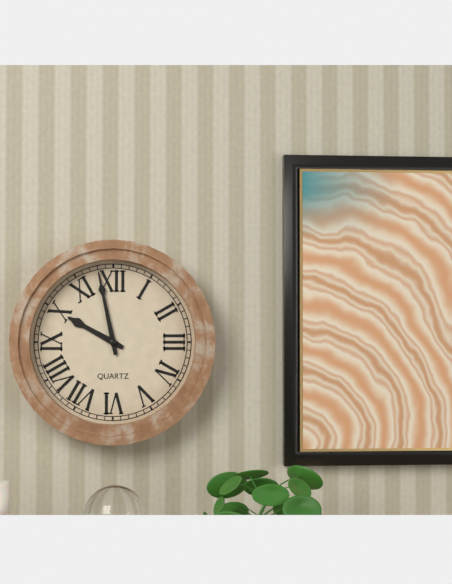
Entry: h=9 m=58
